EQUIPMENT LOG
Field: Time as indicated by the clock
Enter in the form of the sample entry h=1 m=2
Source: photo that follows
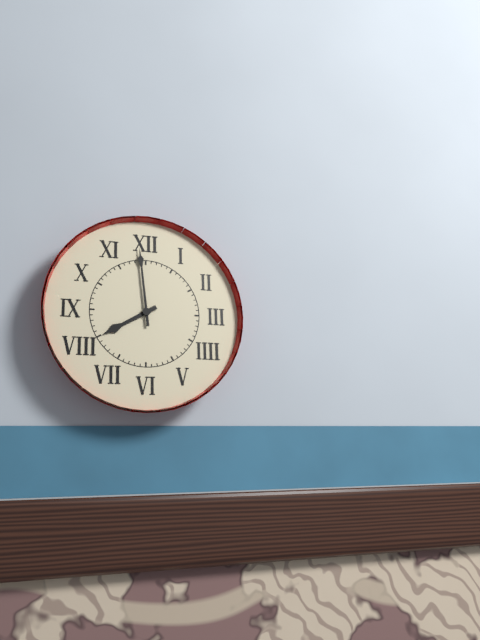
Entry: h=7 m=59
